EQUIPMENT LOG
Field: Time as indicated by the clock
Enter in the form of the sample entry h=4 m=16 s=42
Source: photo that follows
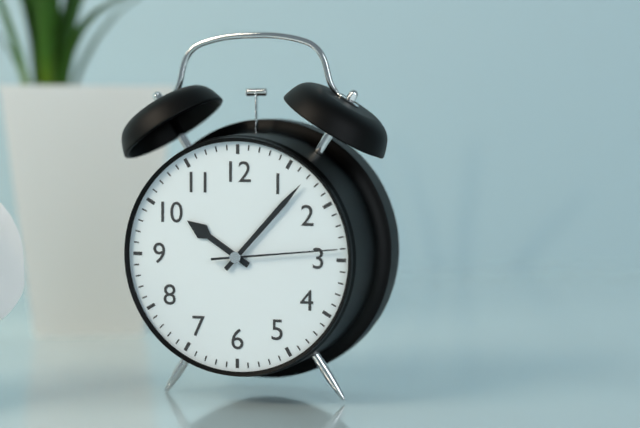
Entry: h=10 m=7 s=14
